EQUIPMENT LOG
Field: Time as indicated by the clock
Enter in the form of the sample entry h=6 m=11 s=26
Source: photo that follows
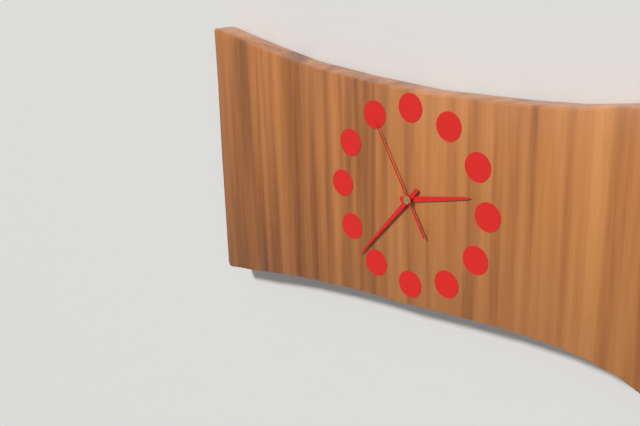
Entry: h=2 m=37 s=55
